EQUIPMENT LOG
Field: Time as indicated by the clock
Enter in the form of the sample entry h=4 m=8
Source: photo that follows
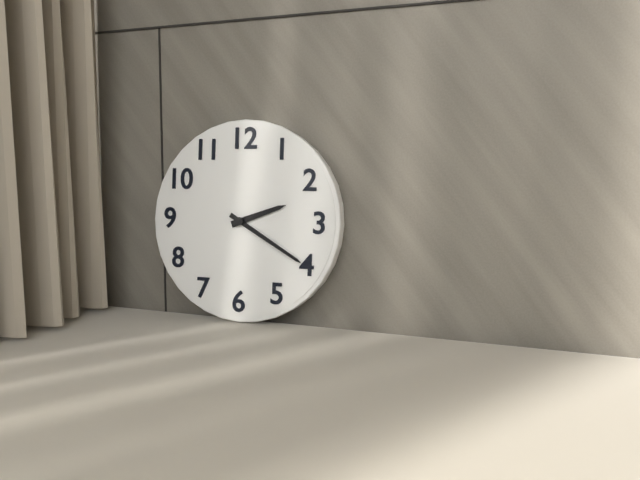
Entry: h=2 m=20
